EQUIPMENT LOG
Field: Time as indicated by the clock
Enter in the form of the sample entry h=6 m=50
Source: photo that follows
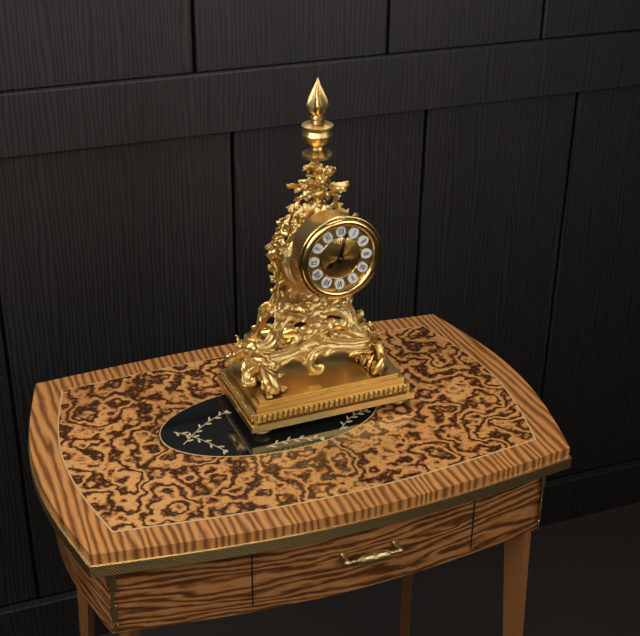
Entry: h=8 m=2
